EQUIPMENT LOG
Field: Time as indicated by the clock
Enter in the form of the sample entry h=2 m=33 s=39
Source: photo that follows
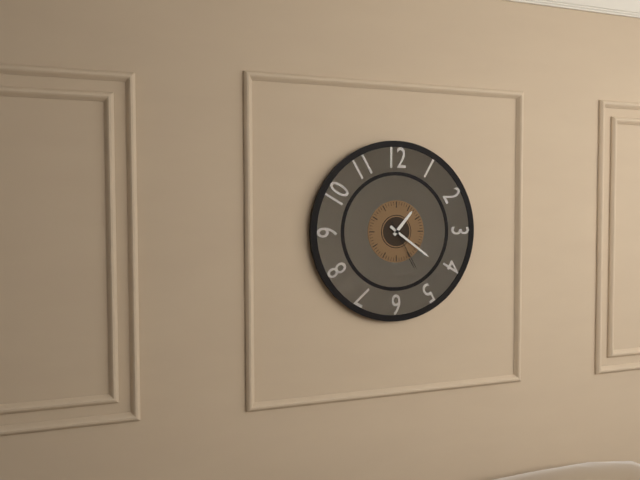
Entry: h=1 m=21 s=25
